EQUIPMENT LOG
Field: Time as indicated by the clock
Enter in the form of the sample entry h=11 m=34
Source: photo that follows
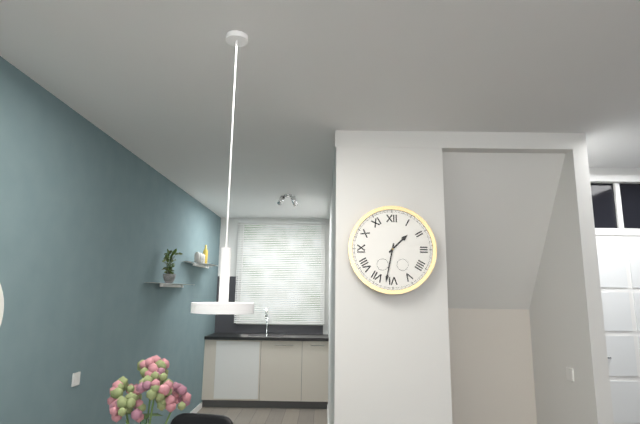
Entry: h=1 m=32
